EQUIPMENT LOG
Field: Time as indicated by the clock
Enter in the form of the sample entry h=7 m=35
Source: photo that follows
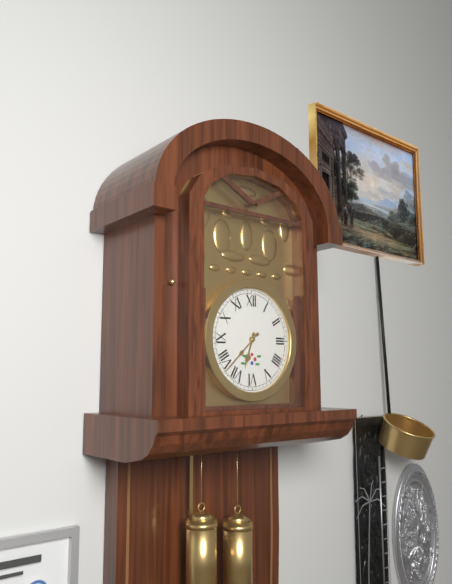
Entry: h=6 m=38
